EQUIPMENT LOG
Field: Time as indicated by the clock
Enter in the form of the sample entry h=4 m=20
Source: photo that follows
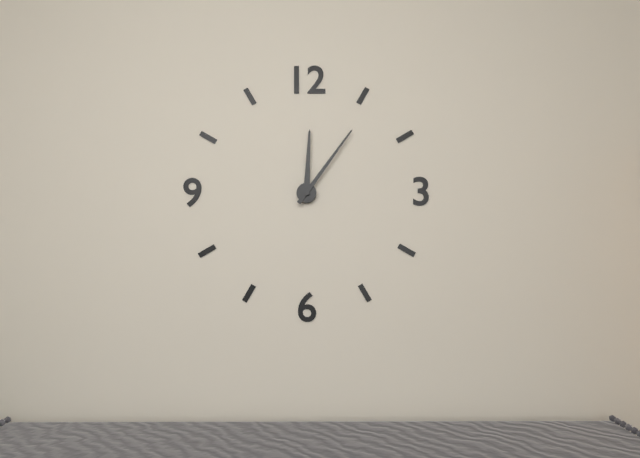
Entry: h=12 m=6
